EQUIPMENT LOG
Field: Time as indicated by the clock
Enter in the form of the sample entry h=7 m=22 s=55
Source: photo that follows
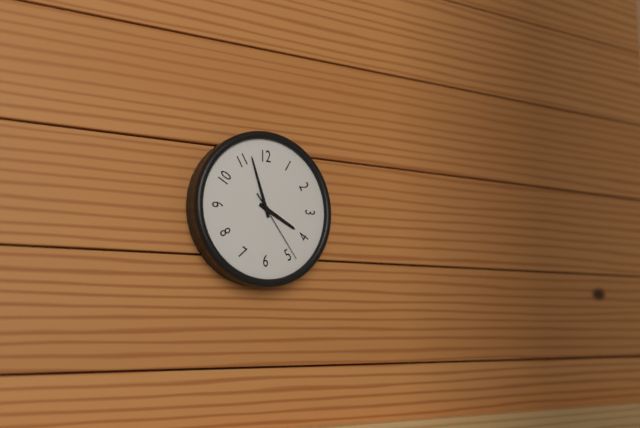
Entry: h=3 m=57 s=24
